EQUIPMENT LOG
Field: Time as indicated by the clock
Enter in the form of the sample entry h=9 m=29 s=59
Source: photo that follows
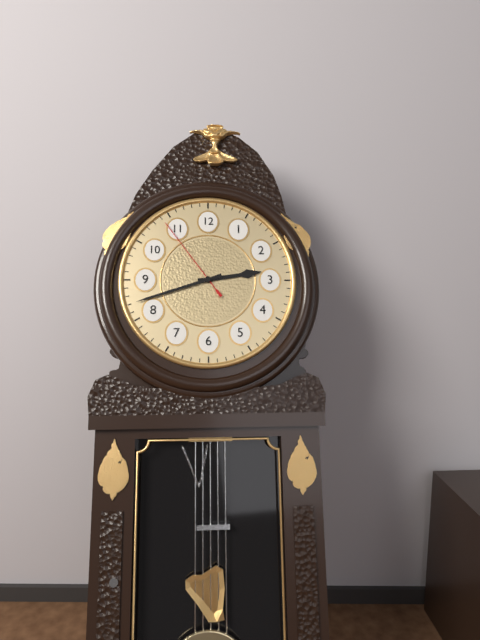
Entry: h=2 m=42 s=54
